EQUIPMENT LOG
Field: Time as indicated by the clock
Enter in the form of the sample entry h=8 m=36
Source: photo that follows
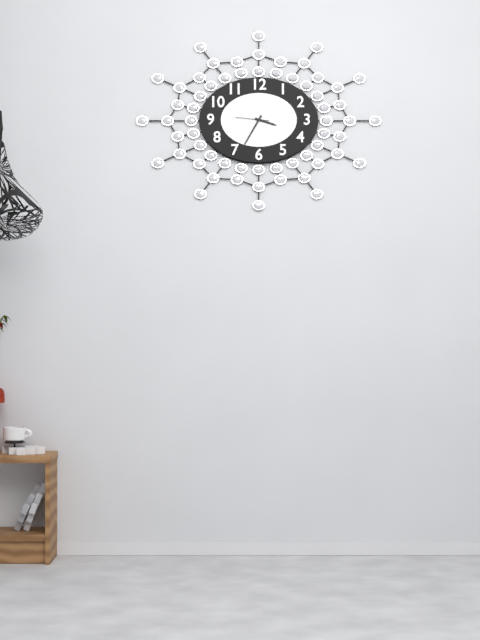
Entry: h=3 m=35
